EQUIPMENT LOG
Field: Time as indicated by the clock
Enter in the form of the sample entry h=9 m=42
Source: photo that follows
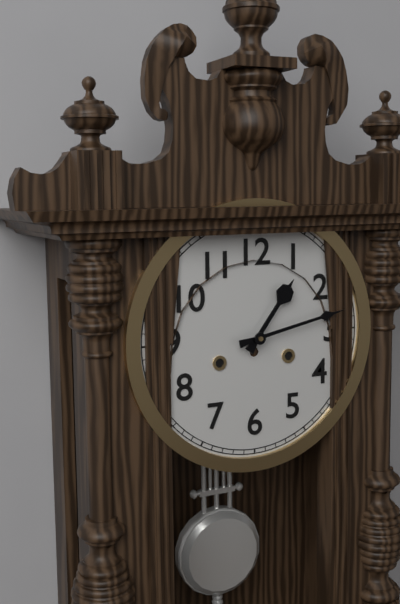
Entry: h=1 m=13
